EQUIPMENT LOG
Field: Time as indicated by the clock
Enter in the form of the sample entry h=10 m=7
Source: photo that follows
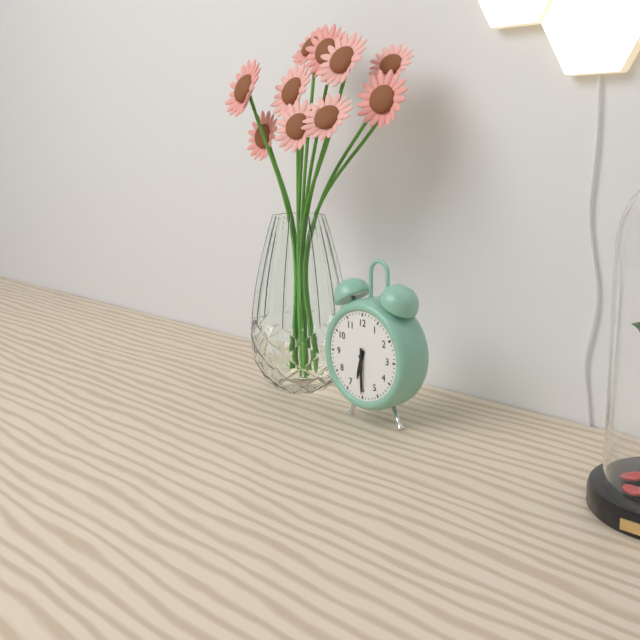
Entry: h=6 m=30
